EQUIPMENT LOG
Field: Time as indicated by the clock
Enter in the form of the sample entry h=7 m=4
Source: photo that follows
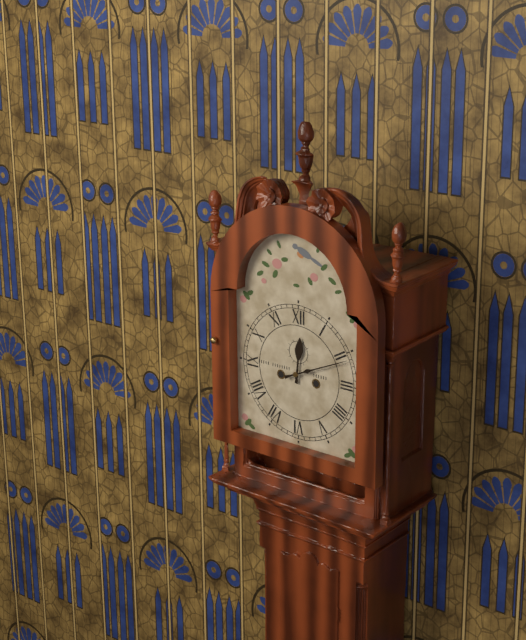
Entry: h=12 m=11
